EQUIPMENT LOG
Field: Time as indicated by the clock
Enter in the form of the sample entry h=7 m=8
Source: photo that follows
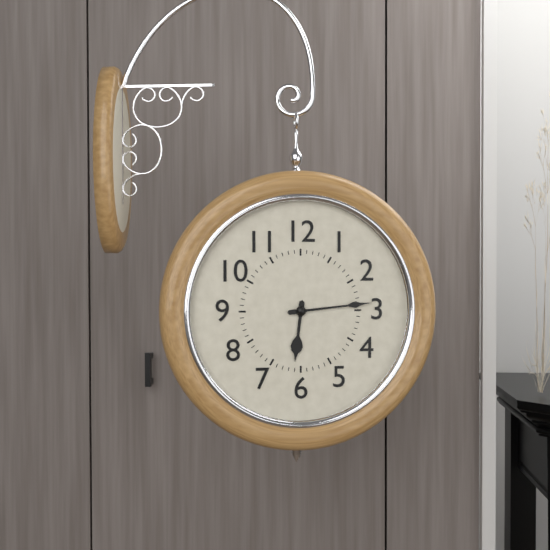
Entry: h=6 m=14
